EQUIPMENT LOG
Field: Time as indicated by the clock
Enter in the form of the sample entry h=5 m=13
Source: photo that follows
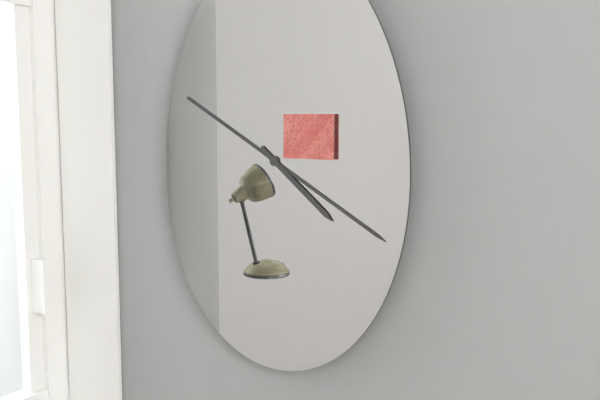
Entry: h=4 m=20
